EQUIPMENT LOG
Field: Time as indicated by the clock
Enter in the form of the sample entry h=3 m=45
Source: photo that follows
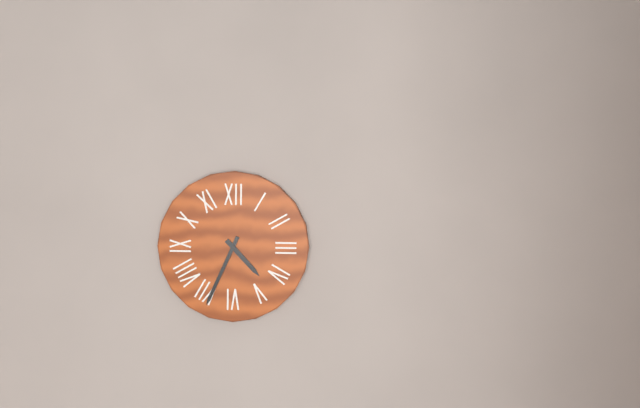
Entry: h=4 m=34
